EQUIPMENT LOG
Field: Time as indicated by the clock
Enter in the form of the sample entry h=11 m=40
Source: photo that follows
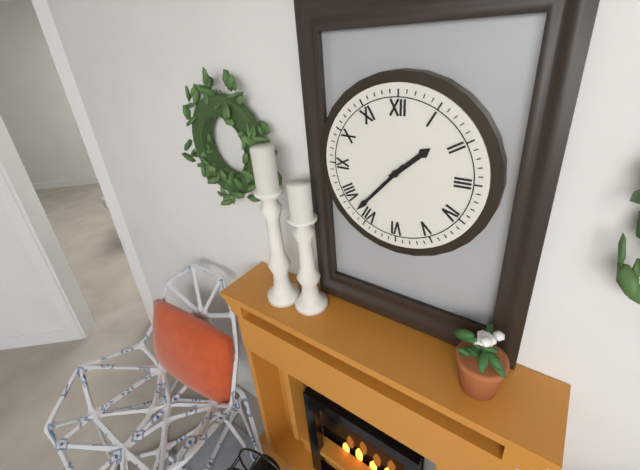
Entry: h=1 m=37
